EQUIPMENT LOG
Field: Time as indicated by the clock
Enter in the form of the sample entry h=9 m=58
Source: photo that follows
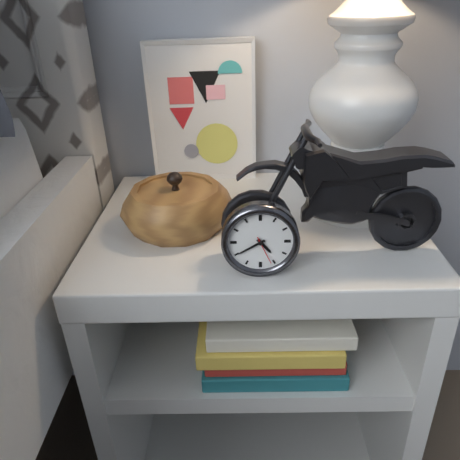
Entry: h=4 m=40
